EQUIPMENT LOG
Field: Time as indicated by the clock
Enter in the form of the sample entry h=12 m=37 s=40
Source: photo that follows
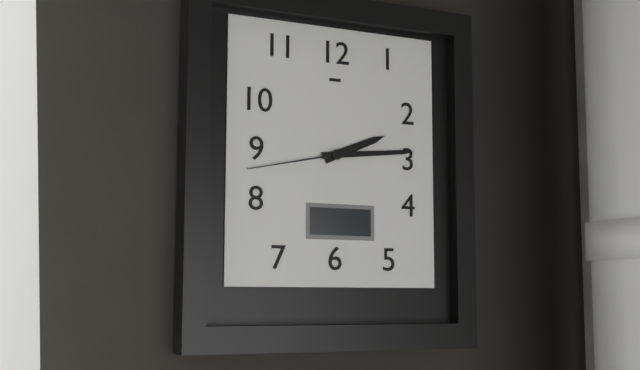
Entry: h=2 m=14 s=43
